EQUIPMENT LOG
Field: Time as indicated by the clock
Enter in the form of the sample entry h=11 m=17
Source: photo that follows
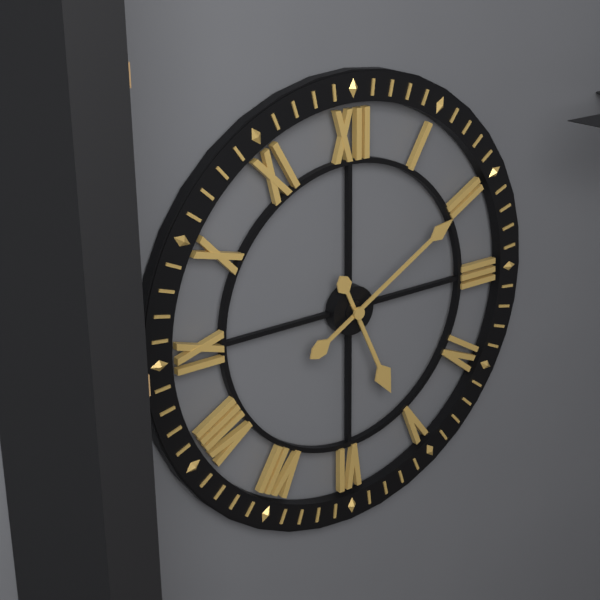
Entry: h=5 m=10
